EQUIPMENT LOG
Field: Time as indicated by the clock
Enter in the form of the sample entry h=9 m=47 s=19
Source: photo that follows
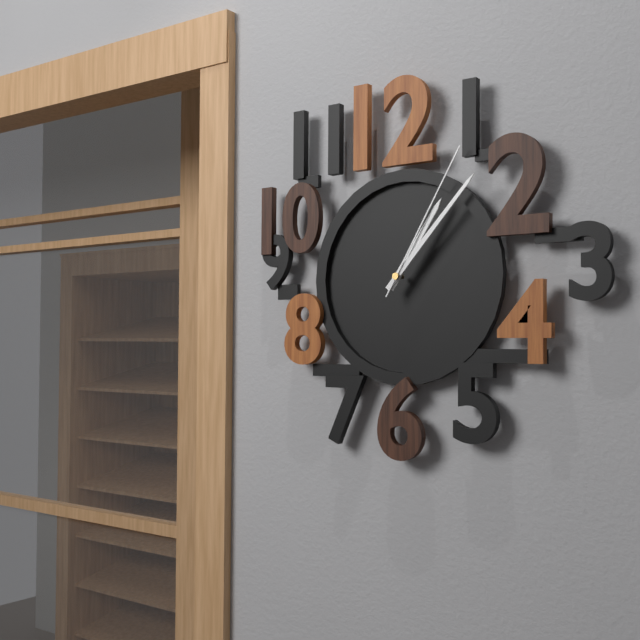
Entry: h=1 m=7 s=5
